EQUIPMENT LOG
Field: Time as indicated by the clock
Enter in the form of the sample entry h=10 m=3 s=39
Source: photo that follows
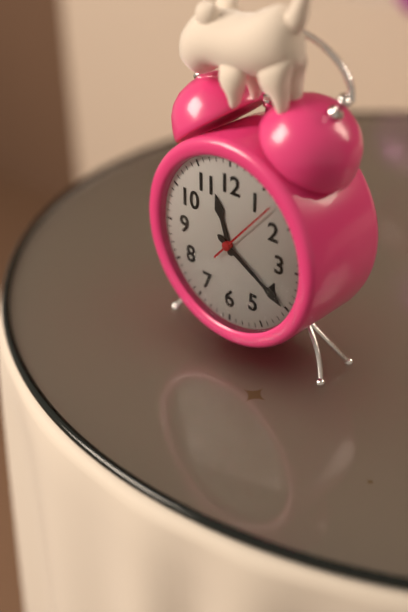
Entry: h=11 m=20 s=7
